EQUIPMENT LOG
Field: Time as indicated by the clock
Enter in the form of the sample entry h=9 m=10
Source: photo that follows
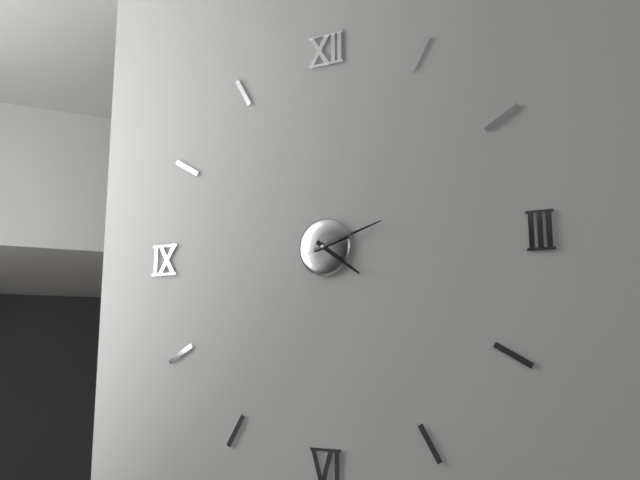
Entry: h=4 m=12
